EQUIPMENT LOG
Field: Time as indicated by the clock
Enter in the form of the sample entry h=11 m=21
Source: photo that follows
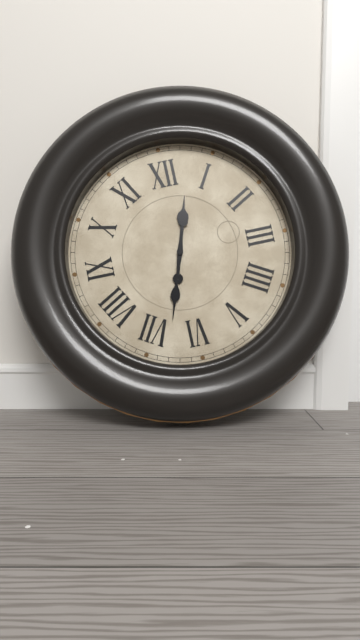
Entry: h=12 m=33
